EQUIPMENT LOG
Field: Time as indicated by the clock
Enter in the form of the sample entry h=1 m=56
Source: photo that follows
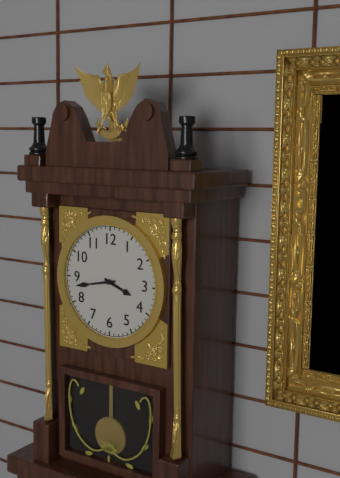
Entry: h=3 m=43
